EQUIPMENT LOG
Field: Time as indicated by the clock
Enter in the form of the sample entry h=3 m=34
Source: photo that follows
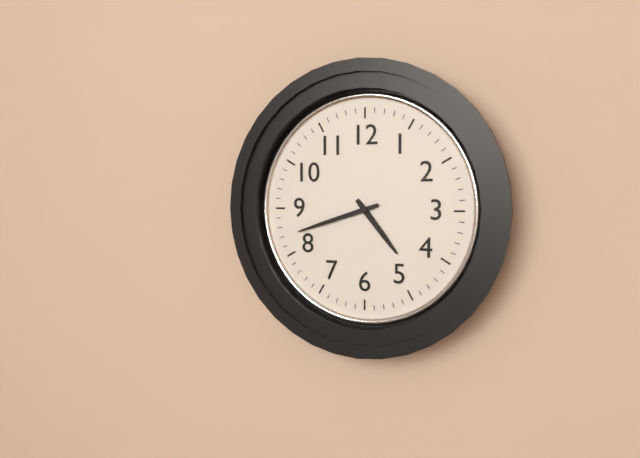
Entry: h=4 m=42
